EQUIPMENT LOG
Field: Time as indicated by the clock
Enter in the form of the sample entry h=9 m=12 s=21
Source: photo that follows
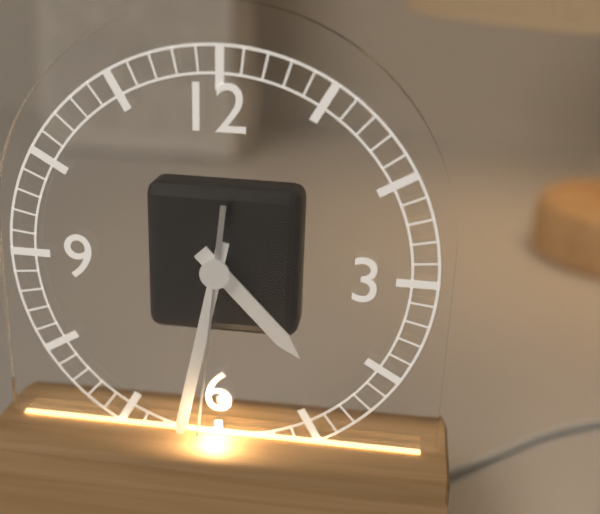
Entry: h=4 m=32 s=31
